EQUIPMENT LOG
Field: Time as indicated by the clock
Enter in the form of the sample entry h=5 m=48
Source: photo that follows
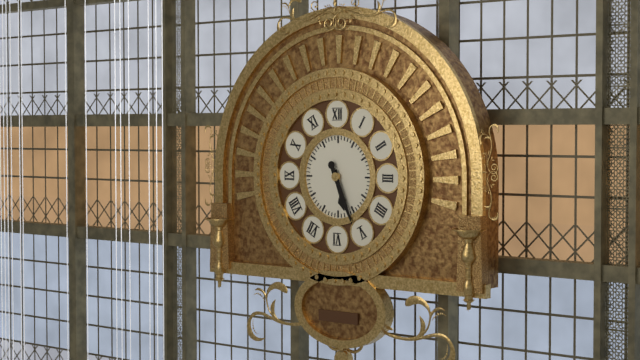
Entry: h=5 m=26
